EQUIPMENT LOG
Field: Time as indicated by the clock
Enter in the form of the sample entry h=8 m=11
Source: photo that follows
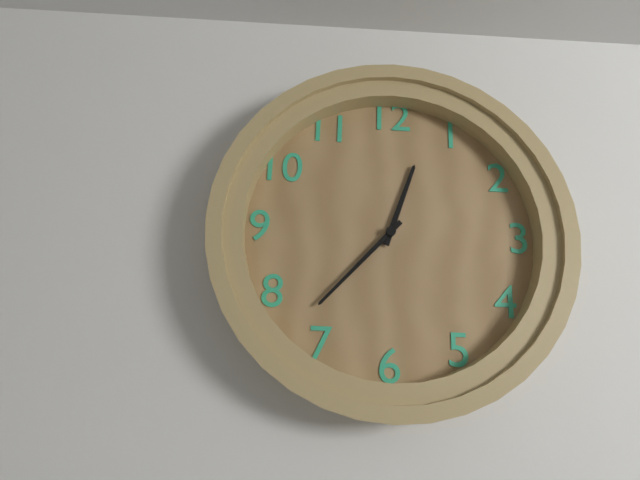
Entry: h=12 m=37
